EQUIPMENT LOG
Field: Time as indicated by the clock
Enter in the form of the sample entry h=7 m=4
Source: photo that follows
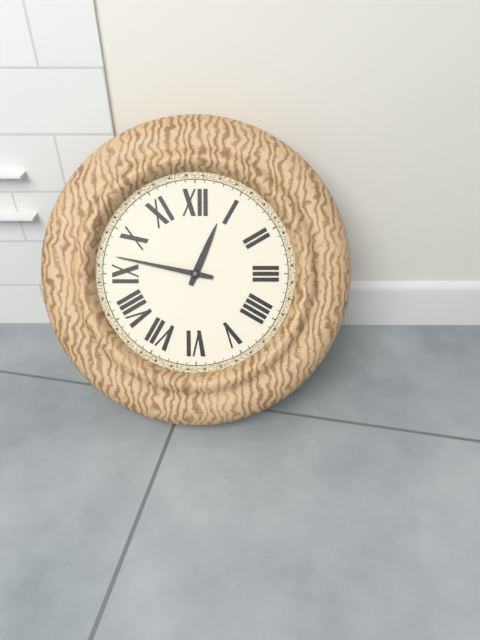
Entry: h=12 m=47
